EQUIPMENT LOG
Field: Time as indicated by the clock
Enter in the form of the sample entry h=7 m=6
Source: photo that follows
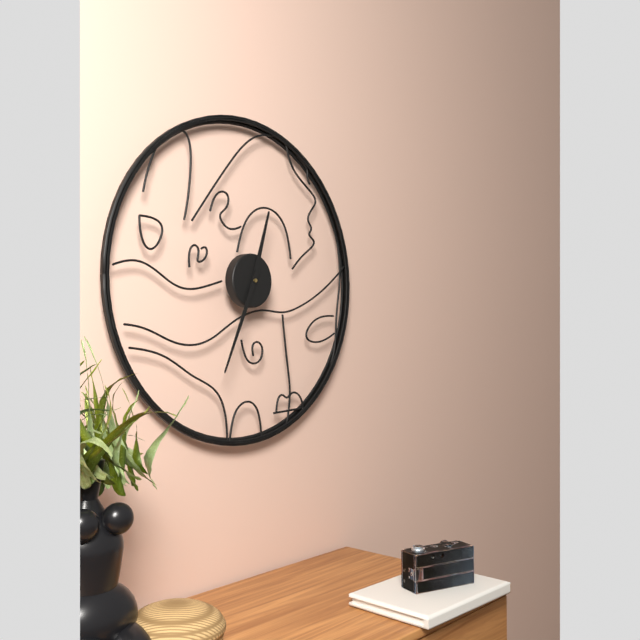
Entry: h=12 m=34
